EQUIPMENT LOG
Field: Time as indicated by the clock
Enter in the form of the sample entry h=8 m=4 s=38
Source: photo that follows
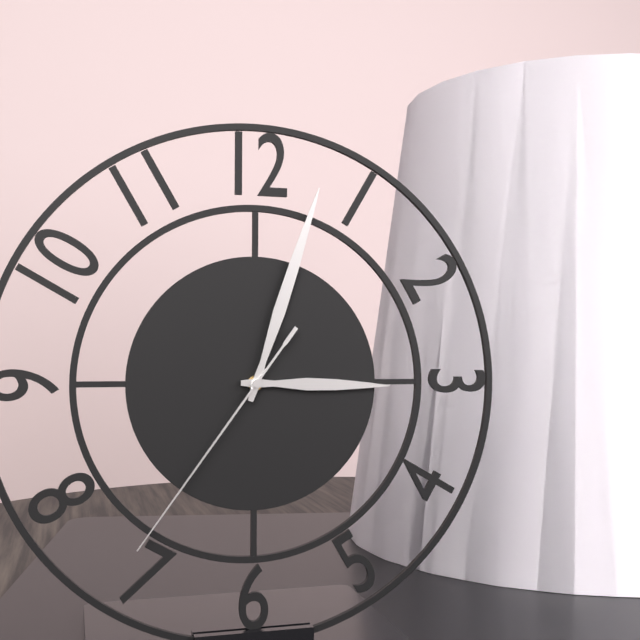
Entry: h=3 m=3 s=36
